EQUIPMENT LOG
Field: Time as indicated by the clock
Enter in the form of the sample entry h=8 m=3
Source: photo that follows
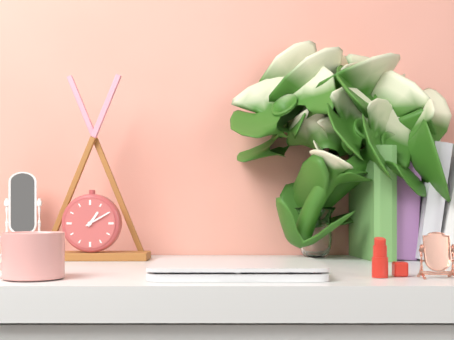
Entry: h=1 m=10
